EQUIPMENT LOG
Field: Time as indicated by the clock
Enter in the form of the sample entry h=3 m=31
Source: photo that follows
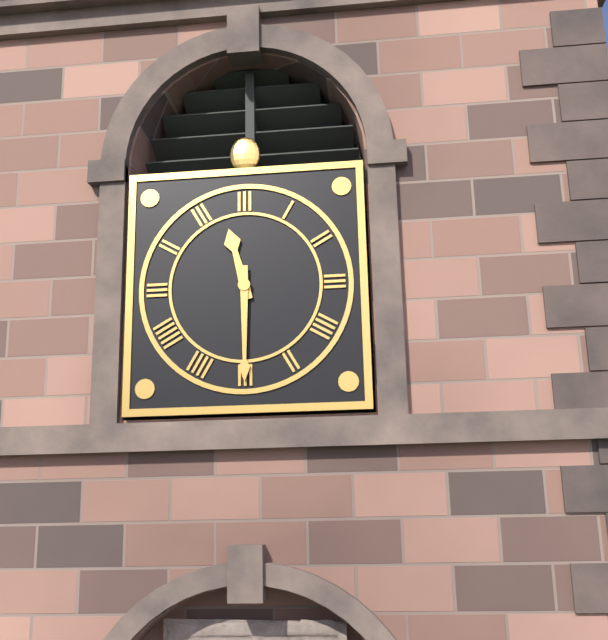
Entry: h=11 m=30
